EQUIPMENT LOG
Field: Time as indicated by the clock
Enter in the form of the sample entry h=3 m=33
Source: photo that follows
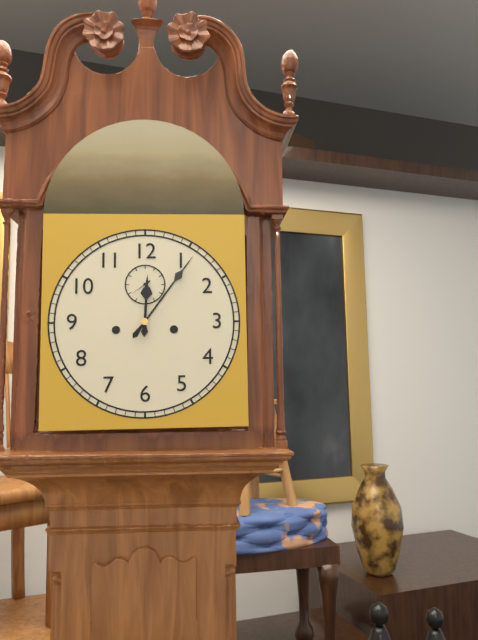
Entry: h=12 m=6
